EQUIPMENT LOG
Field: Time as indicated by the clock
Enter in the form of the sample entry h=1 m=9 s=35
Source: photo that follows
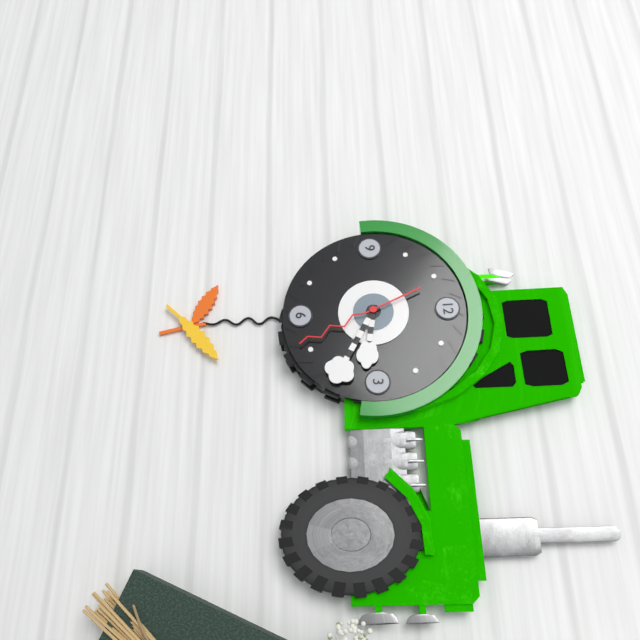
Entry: h=3 m=20 s=26
